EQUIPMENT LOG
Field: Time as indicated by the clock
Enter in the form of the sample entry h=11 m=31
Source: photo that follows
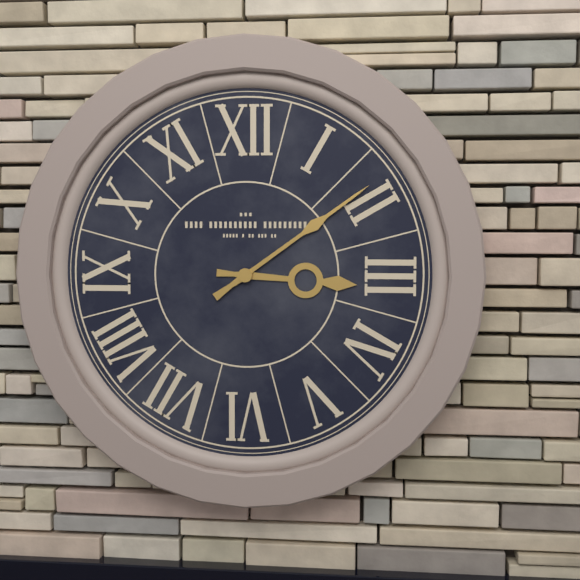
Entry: h=3 m=9
